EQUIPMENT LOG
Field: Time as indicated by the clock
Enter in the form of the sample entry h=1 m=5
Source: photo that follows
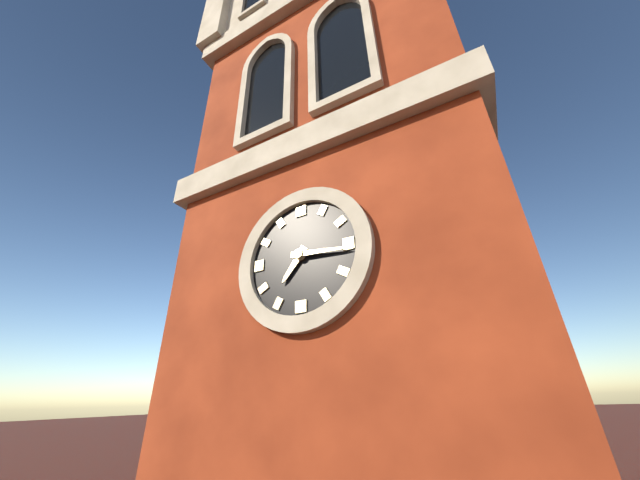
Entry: h=7 m=16
